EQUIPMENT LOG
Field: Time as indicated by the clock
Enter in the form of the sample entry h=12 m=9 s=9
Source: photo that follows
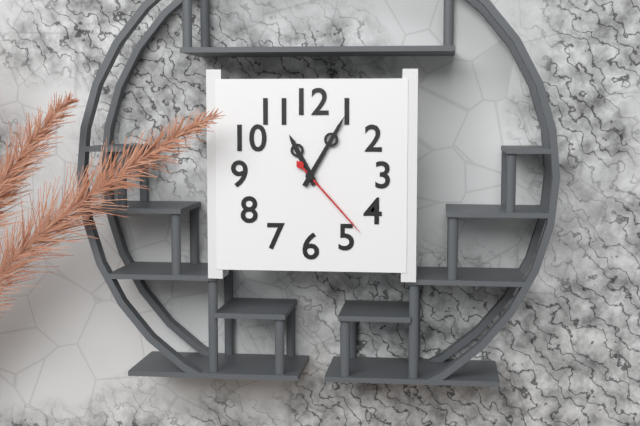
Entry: h=11 m=5 s=23
